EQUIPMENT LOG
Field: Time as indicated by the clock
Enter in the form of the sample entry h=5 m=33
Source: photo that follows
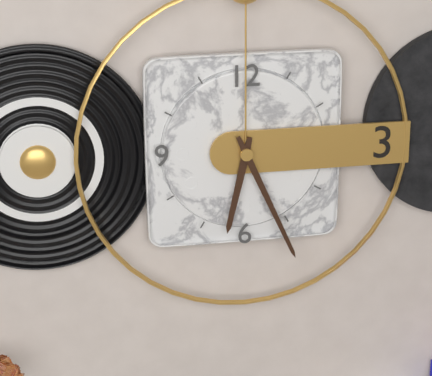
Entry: h=6 m=26
